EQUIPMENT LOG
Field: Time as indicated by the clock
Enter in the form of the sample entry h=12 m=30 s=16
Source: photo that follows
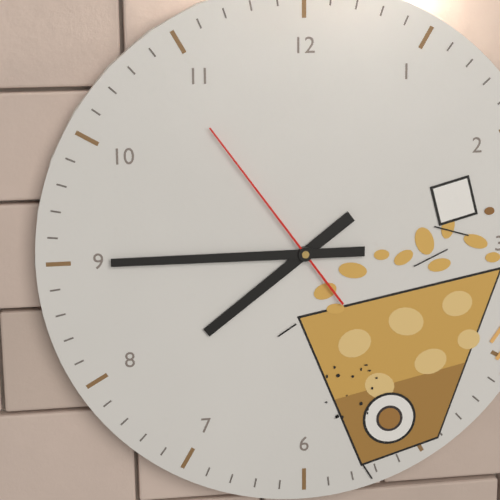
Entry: h=7 m=45 s=54
